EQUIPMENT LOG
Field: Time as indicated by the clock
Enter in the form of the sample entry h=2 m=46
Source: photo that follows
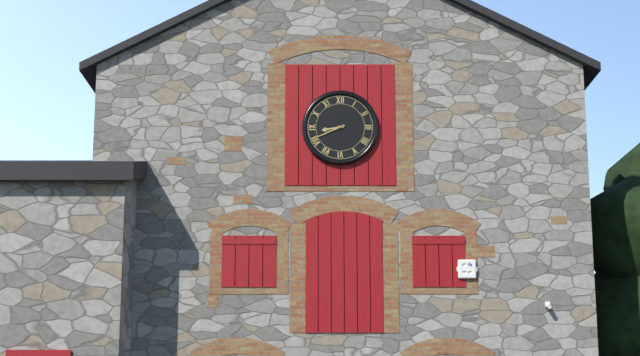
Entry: h=8 m=41
